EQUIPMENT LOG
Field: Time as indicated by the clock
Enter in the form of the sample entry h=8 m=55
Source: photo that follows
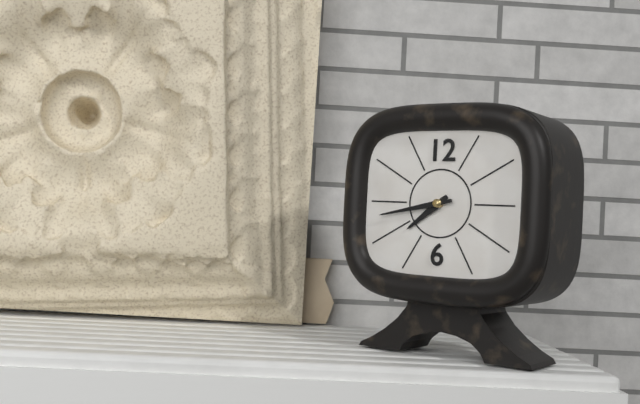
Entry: h=7 m=43
